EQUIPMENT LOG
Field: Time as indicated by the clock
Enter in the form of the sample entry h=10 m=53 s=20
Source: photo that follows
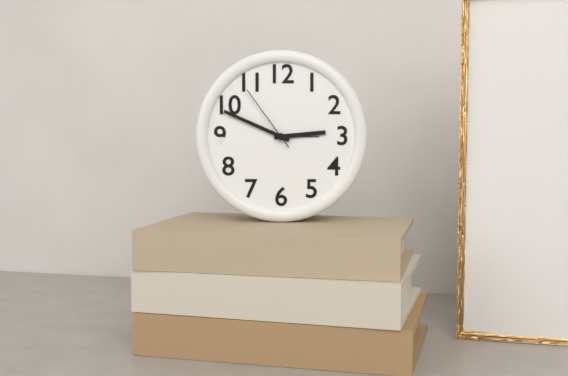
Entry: h=2 m=49 s=54
